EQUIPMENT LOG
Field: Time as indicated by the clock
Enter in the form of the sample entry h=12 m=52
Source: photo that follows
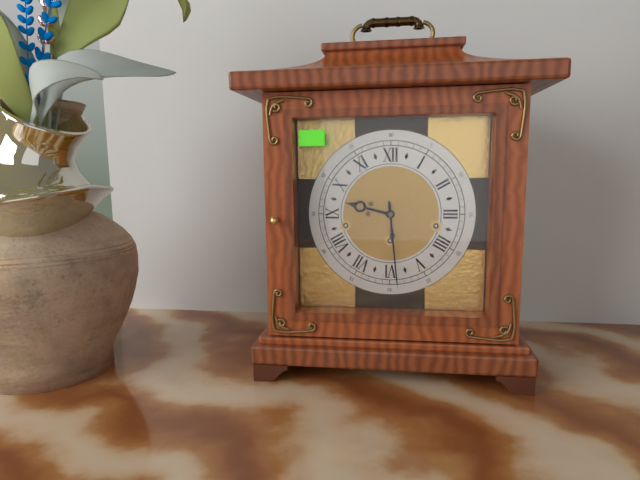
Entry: h=9 m=29
